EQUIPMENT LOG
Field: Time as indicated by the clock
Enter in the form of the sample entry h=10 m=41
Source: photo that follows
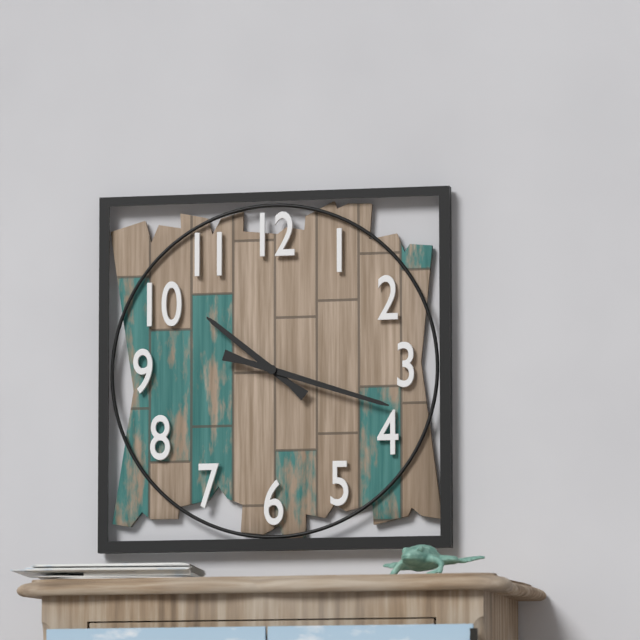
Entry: h=10 m=18
